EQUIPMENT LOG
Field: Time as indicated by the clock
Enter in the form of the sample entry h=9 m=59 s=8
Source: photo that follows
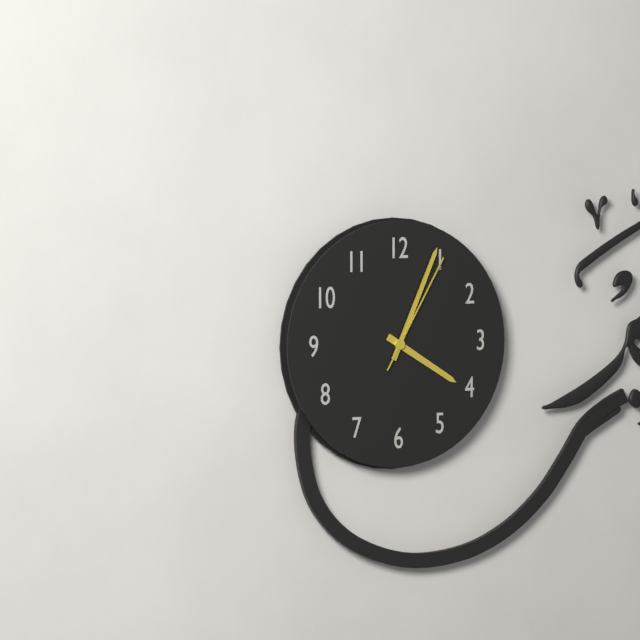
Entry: h=4 m=4 s=5
